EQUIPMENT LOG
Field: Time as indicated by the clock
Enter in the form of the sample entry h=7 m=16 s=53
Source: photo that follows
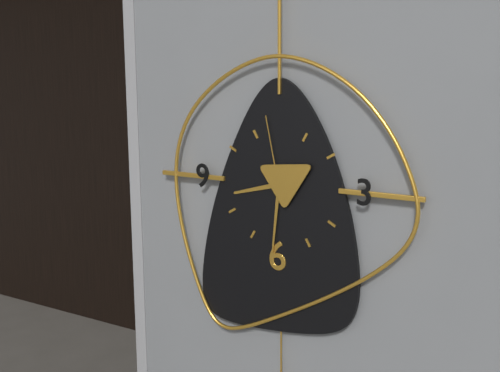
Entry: h=8 m=31 s=58
